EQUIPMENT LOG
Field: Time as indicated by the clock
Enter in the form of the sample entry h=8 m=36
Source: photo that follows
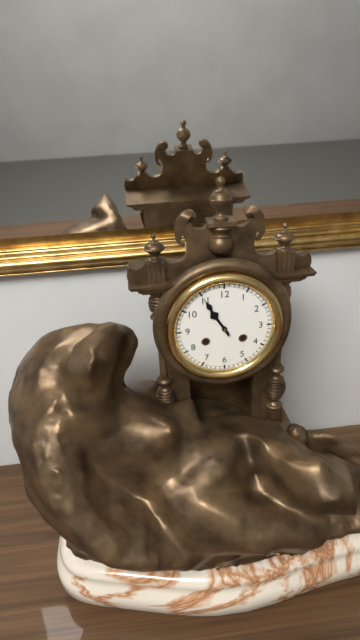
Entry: h=10 m=55
